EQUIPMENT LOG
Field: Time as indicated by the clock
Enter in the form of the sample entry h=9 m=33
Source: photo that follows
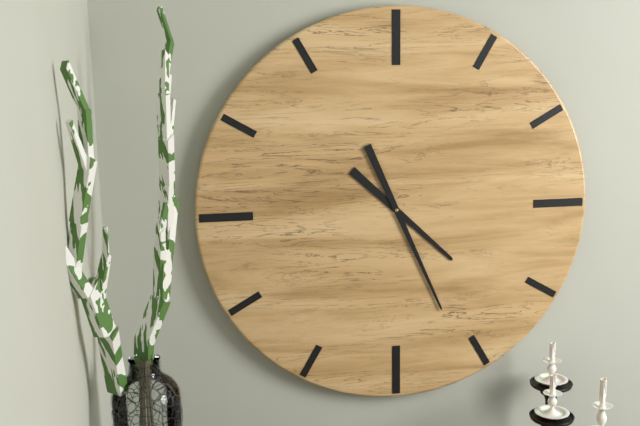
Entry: h=4 m=26
